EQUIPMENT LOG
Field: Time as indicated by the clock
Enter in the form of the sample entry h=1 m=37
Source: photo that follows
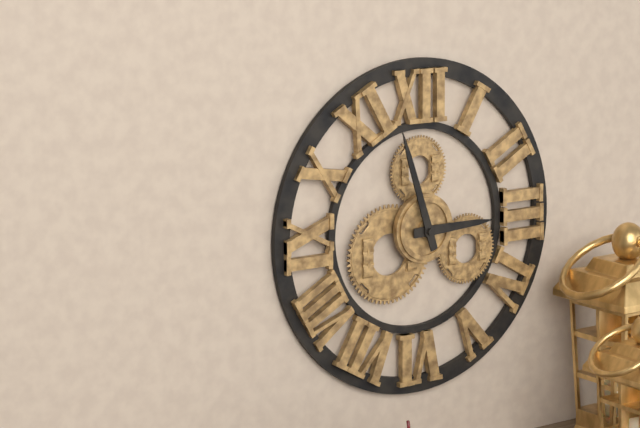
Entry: h=2 m=57
